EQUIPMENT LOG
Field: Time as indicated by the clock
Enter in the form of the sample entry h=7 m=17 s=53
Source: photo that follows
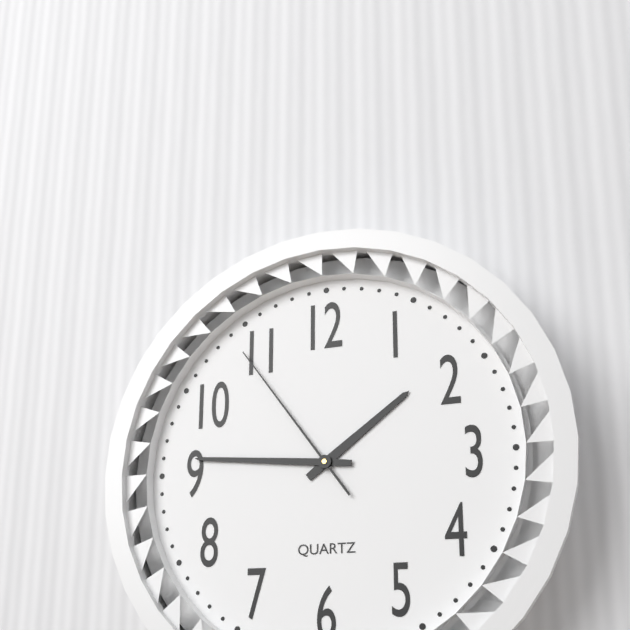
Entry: h=1 m=46 s=54
